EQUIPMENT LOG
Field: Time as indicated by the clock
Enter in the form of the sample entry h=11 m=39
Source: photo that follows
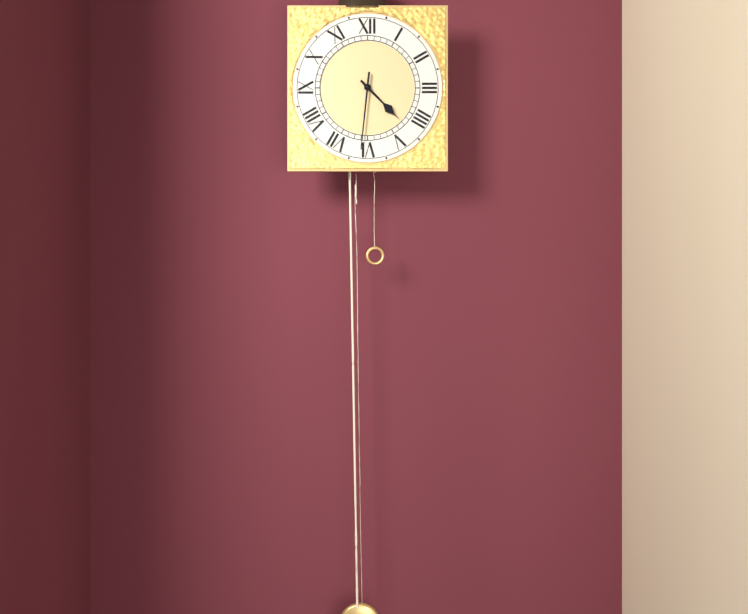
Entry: h=4 m=31
